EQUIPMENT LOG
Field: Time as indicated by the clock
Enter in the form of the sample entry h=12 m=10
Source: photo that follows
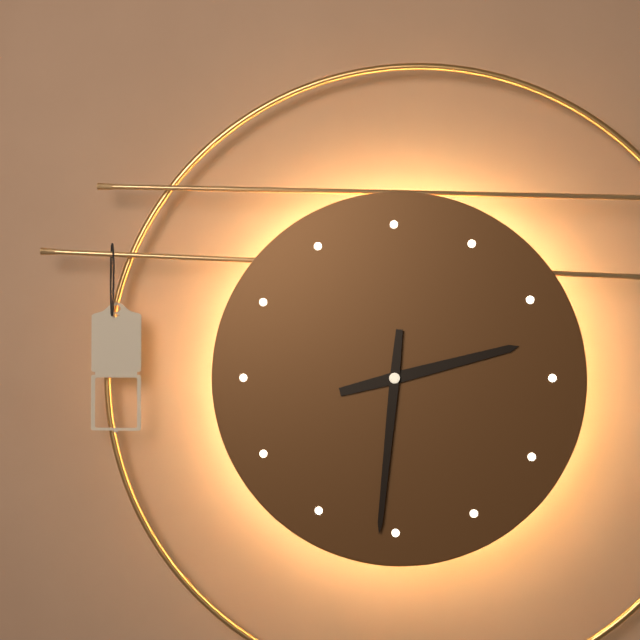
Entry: h=2 m=31
